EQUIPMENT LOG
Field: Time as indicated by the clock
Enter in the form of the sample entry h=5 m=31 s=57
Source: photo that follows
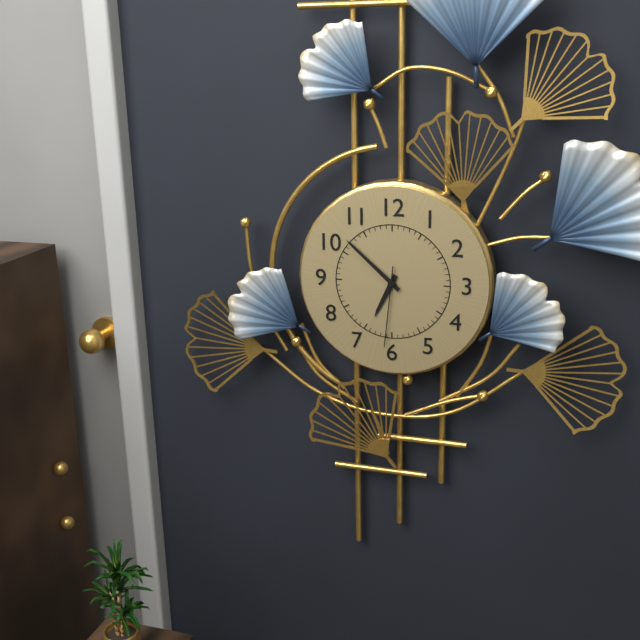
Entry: h=6 m=52 s=31
